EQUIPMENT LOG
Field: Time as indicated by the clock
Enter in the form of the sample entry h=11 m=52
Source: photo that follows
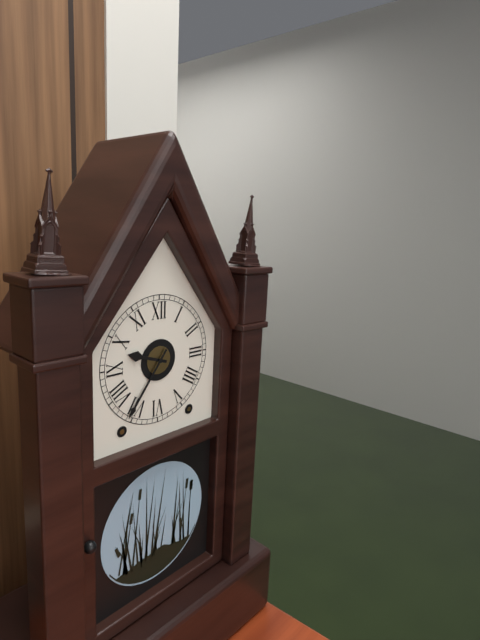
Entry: h=9 m=36
